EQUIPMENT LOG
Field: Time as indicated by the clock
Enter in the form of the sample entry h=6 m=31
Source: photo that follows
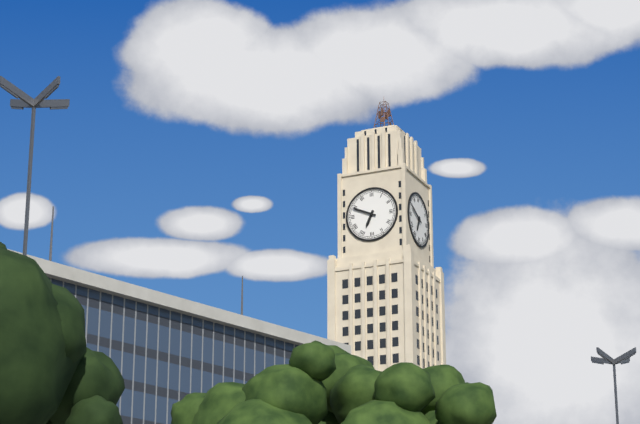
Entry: h=6 m=49
